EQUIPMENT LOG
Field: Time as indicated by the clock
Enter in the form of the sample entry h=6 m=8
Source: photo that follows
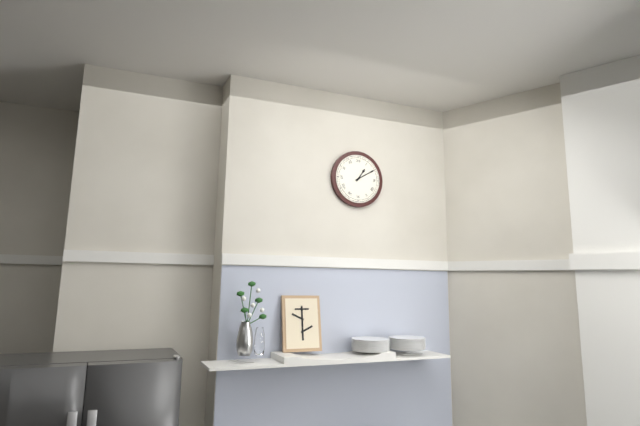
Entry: h=1 m=10
